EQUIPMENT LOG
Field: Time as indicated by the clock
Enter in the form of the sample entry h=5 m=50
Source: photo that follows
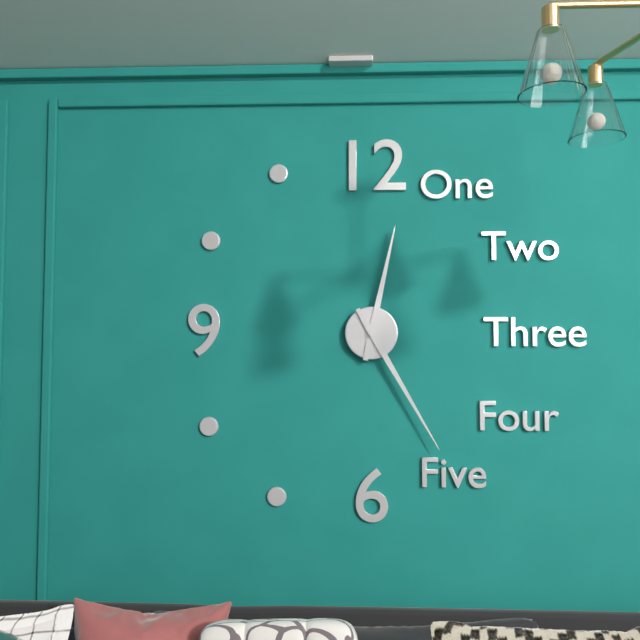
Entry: h=12 m=25
